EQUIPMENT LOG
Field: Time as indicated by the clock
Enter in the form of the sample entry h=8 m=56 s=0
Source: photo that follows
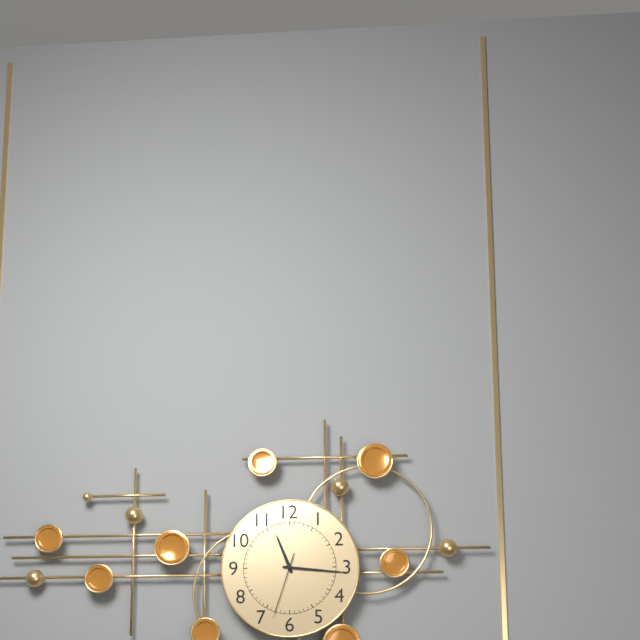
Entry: h=11 m=16 s=33
